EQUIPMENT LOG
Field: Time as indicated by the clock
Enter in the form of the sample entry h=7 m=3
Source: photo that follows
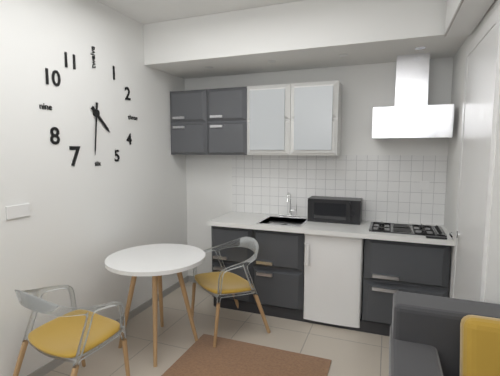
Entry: h=4 m=31
